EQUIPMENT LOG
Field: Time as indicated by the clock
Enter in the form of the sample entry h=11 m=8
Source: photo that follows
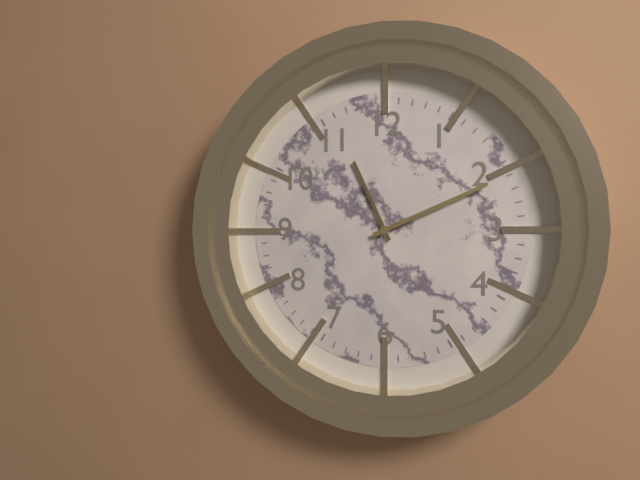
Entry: h=11 m=11
